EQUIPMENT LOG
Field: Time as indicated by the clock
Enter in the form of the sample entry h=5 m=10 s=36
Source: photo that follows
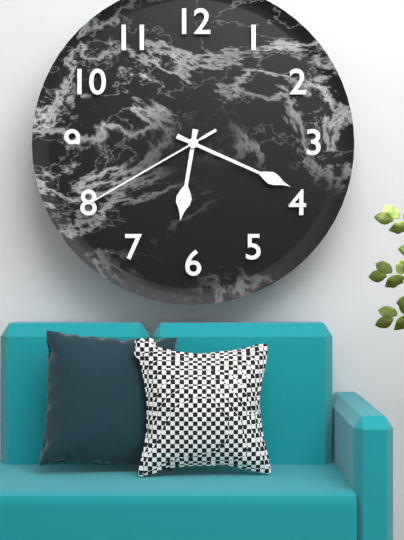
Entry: h=6 m=19 s=40
